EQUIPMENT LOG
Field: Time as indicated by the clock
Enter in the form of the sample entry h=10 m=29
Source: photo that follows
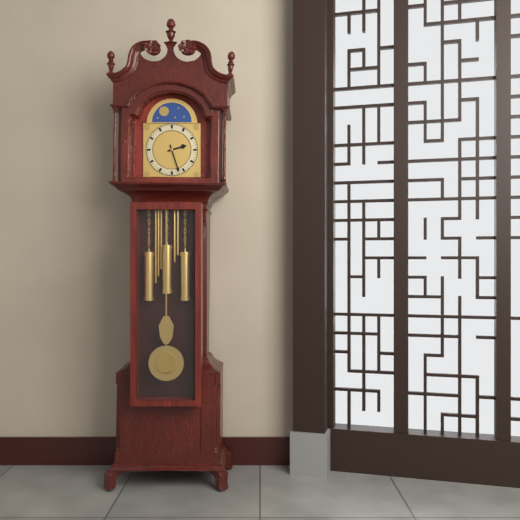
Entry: h=2 m=27
